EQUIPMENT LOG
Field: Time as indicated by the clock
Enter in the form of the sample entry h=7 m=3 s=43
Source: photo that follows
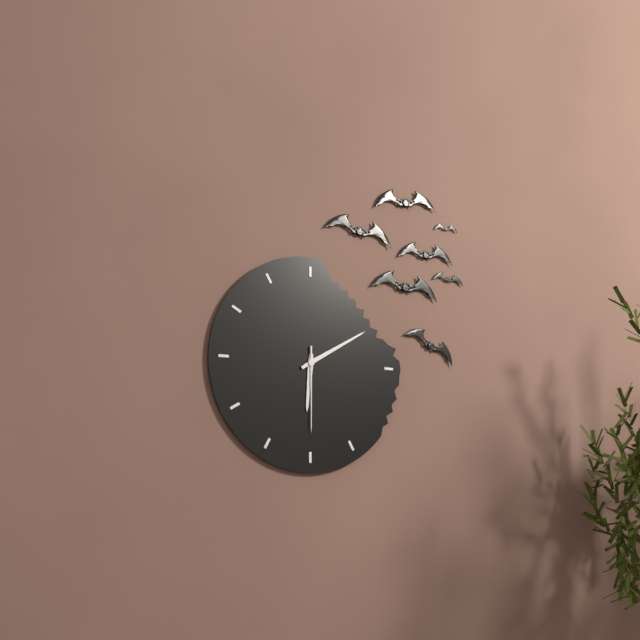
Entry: h=6 m=10 s=30
